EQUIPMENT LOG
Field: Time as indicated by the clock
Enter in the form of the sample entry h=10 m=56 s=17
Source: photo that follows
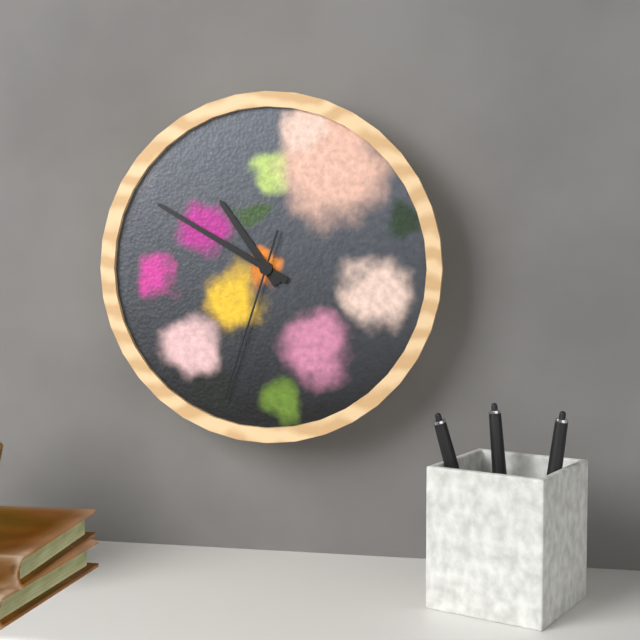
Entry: h=10 m=50 s=33
